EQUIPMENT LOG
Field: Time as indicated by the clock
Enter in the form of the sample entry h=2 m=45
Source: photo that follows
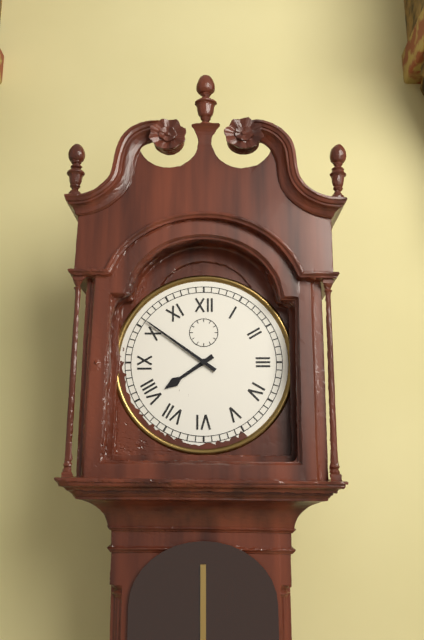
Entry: h=7 m=51
